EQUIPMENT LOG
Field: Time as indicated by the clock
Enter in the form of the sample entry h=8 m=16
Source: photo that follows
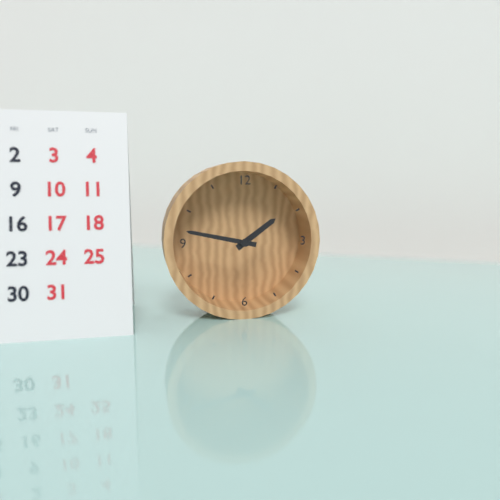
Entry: h=1 m=47
